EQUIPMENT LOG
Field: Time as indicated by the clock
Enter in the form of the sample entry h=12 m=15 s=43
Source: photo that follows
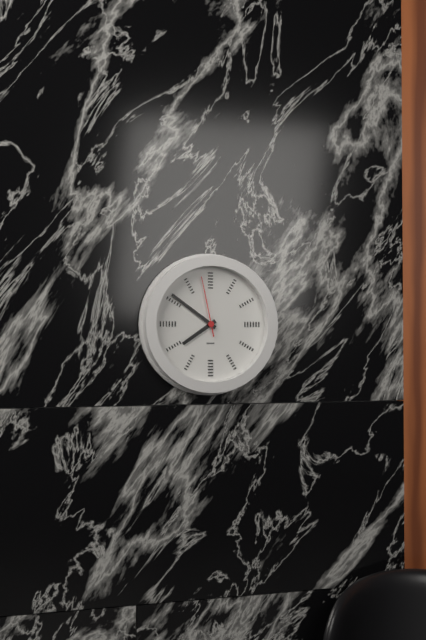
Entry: h=7 m=51 s=58
